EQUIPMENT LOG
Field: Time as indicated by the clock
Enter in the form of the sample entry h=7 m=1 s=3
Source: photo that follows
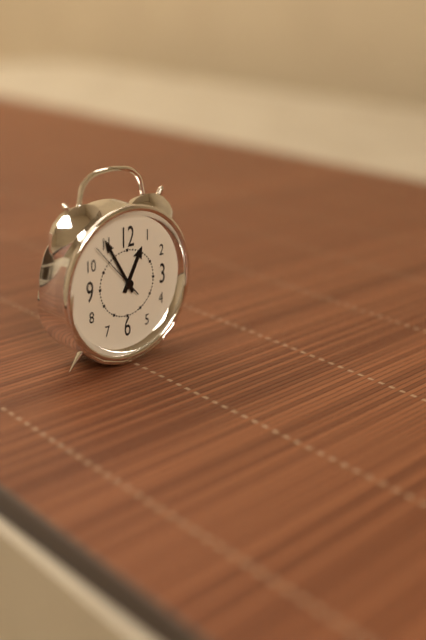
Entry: h=12 m=55 s=53
